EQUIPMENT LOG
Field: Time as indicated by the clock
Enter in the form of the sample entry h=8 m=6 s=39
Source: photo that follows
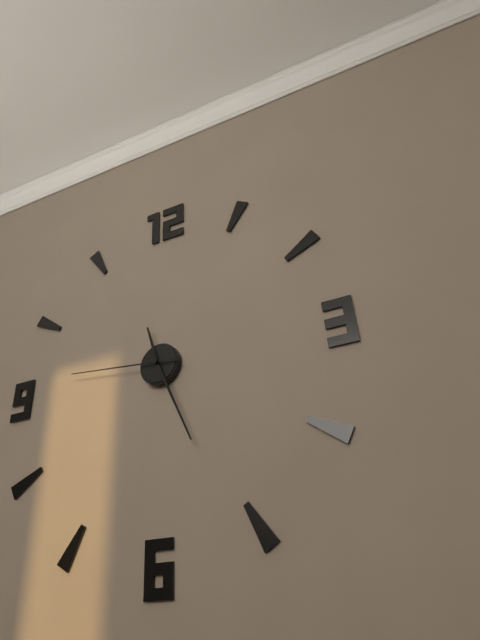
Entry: h=11 m=26 s=46
